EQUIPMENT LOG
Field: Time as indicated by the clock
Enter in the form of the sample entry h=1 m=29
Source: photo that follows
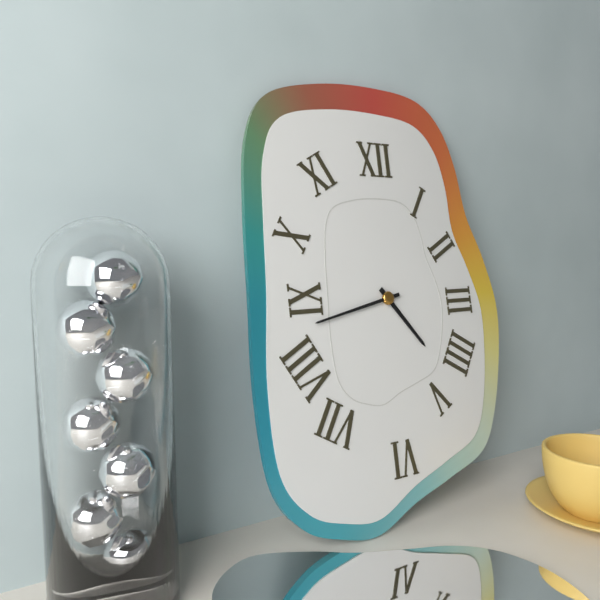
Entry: h=4 m=43
